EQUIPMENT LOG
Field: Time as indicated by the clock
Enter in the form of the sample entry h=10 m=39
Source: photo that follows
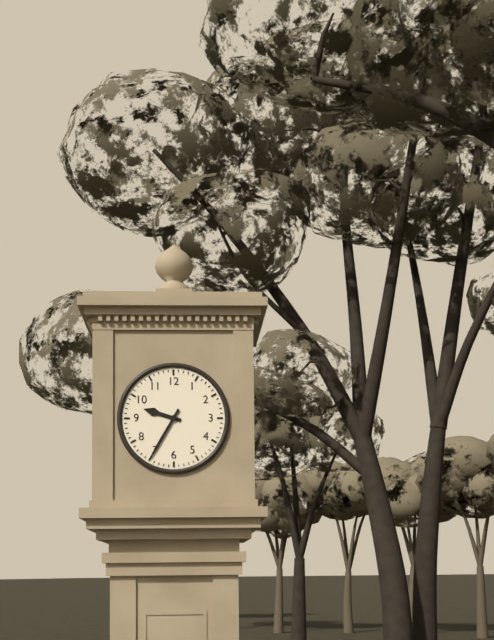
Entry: h=9 m=35
